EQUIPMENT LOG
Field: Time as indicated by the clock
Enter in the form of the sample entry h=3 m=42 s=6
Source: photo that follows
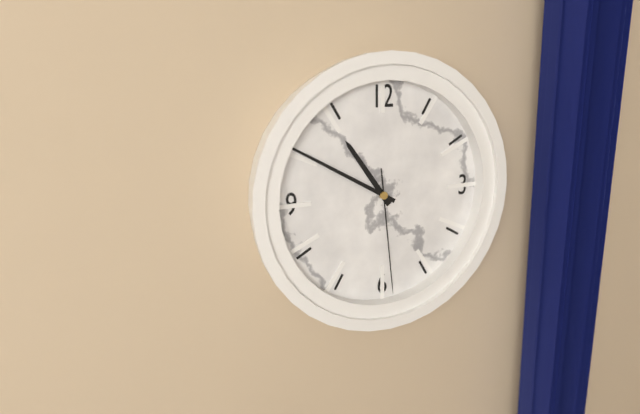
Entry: h=10 m=50 s=29
